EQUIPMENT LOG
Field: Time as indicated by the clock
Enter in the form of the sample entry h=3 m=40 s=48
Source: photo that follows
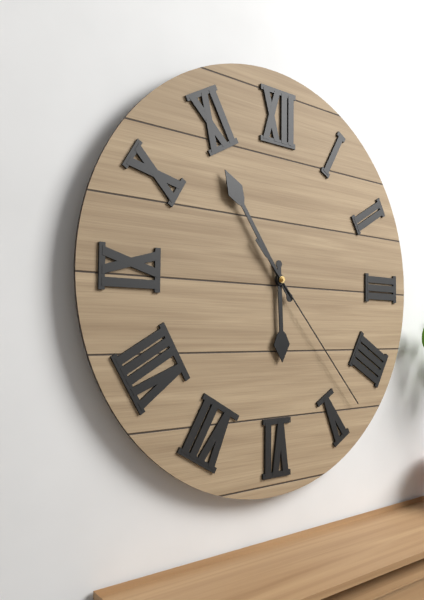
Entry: h=5 m=54 s=23
